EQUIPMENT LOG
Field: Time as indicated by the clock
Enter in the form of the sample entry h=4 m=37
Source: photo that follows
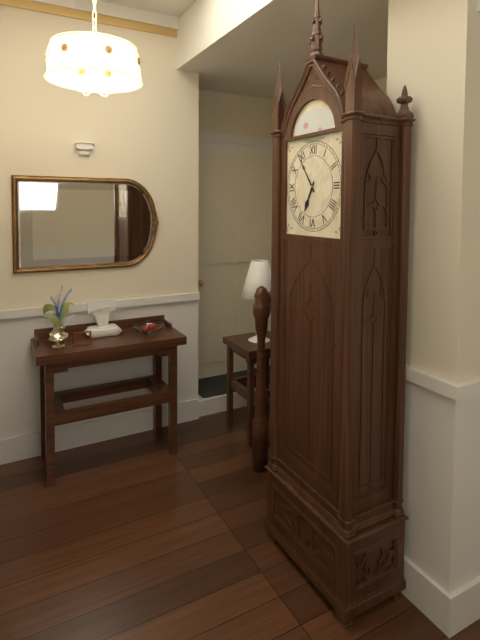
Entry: h=6 m=54
